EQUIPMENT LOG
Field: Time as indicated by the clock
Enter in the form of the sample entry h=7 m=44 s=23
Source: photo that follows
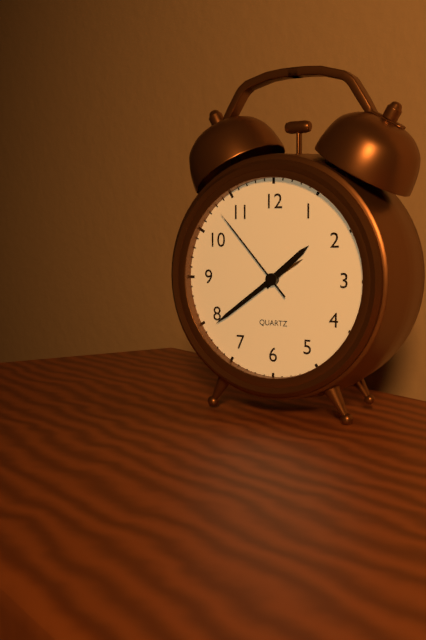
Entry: h=1 m=39 s=53
